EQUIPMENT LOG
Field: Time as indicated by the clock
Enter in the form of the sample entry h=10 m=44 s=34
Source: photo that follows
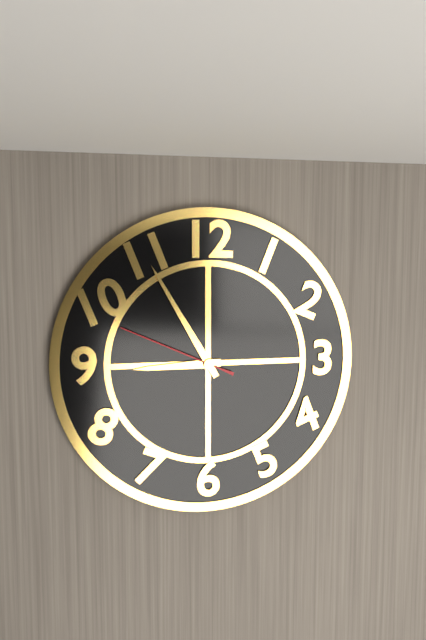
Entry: h=8 m=55 s=49
